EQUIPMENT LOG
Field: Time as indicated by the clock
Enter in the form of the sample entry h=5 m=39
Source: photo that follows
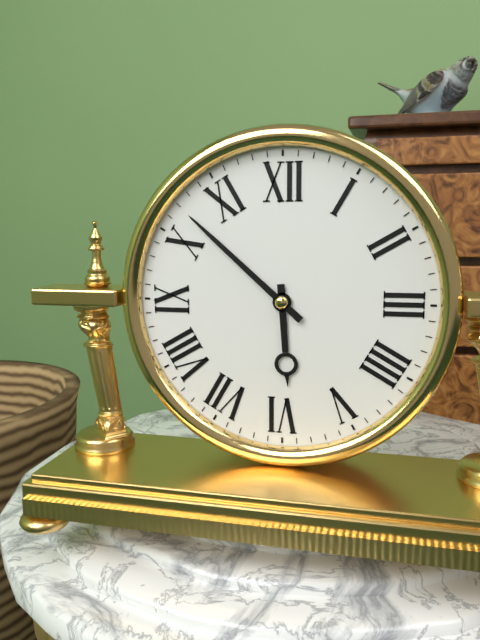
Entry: h=5 m=52
